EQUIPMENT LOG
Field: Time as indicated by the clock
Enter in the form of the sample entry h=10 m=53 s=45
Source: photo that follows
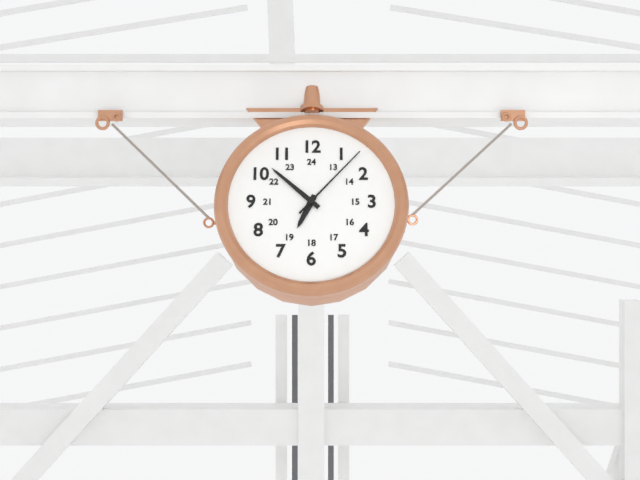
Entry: h=6 m=52 s=7
